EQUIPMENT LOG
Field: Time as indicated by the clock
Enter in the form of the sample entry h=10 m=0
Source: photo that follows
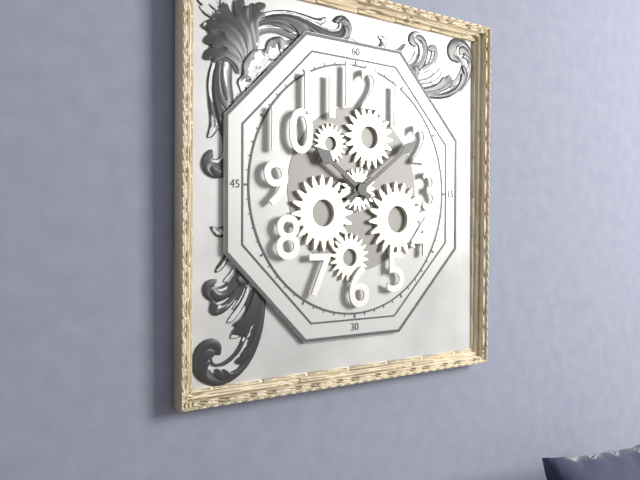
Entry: h=10 m=9
